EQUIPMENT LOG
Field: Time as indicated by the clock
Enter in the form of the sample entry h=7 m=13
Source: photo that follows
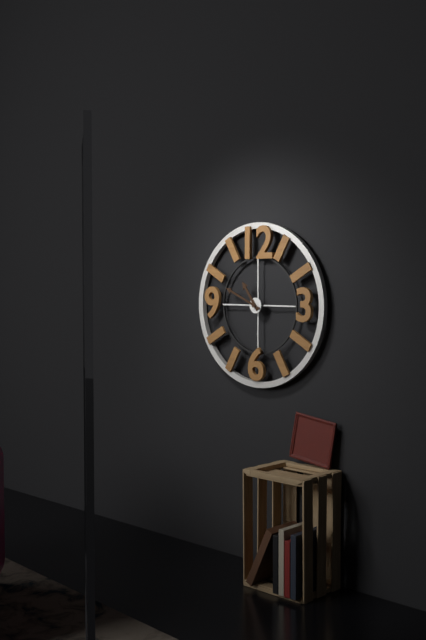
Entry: h=10 m=49
